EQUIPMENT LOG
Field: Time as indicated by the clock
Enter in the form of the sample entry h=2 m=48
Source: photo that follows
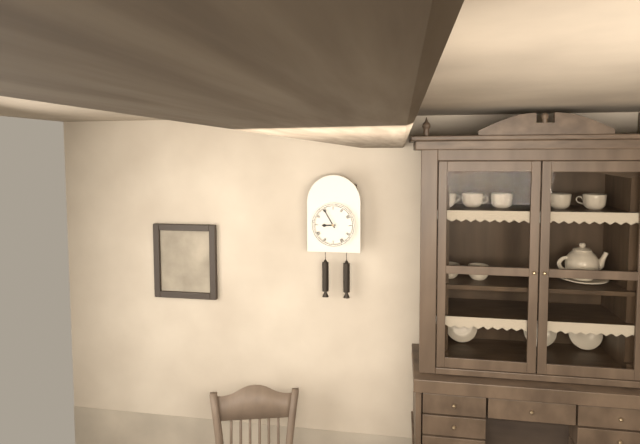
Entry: h=8 m=55
